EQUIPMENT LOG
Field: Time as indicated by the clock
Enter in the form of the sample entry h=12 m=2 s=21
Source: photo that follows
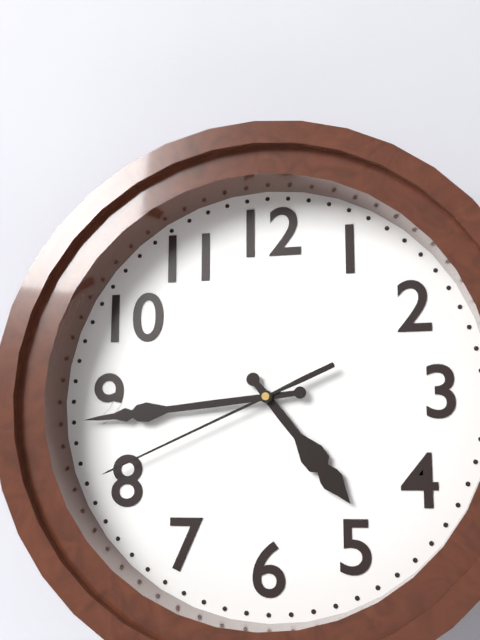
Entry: h=4 m=44 s=41
